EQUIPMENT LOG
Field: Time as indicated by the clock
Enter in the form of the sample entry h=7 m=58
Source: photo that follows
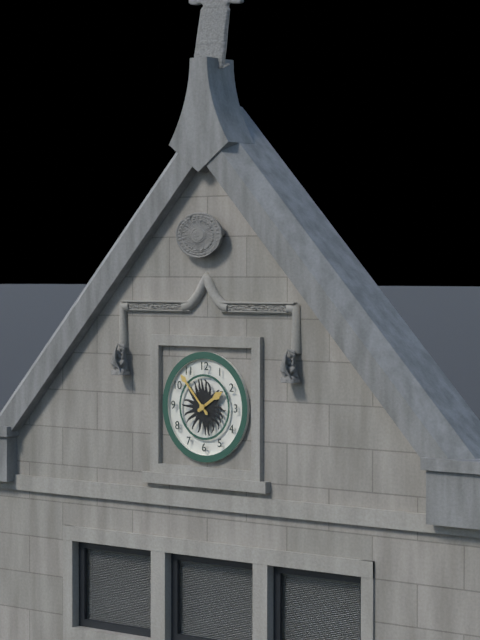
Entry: h=1 m=53
